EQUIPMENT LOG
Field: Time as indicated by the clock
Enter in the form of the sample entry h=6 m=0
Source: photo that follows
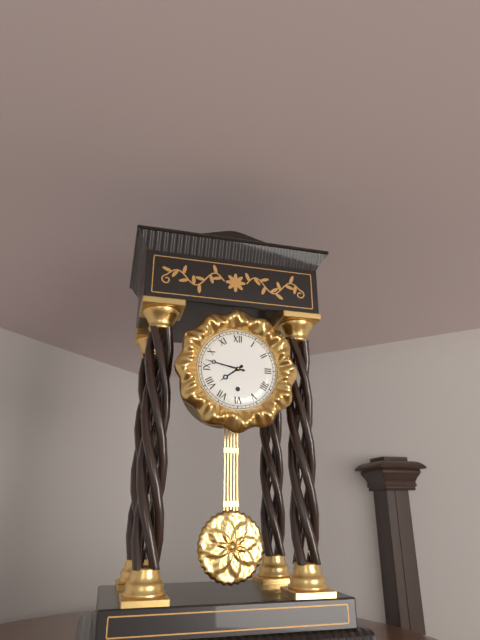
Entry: h=7 m=47
